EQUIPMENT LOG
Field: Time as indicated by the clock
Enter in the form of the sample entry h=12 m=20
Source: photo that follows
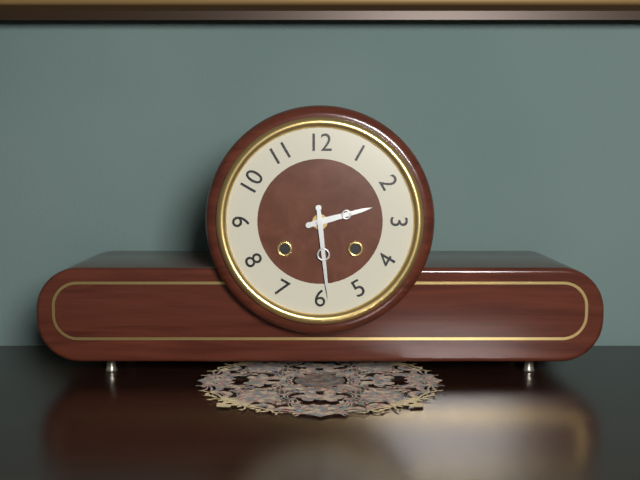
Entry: h=2 m=29
